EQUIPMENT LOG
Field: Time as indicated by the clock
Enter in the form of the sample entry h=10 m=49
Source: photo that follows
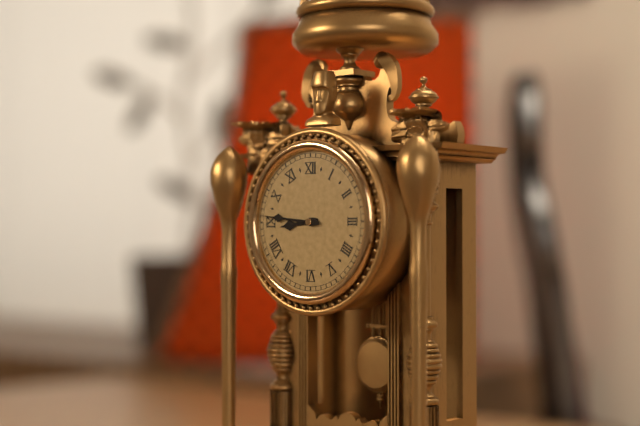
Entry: h=8 m=46
